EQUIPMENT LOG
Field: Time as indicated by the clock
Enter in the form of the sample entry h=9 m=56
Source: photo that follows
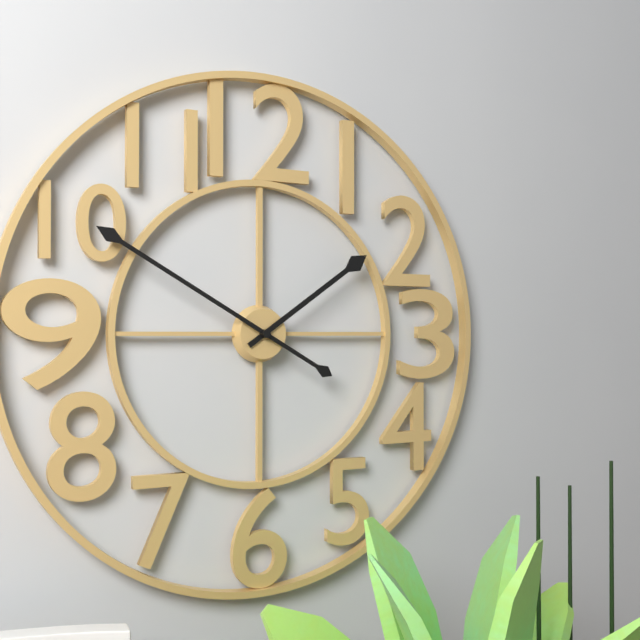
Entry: h=1 m=50
